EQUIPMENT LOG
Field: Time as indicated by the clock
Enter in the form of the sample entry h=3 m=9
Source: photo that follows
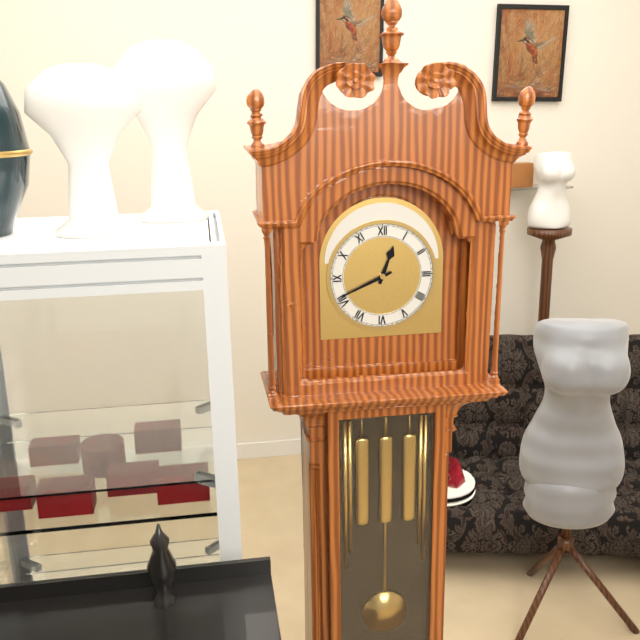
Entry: h=12 m=41
